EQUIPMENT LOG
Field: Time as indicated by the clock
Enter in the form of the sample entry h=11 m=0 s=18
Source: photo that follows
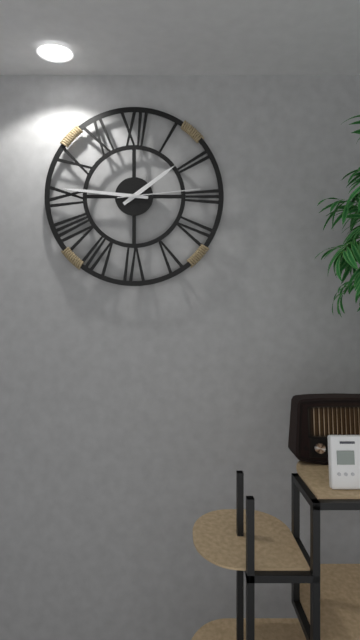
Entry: h=1 m=46 s=14
